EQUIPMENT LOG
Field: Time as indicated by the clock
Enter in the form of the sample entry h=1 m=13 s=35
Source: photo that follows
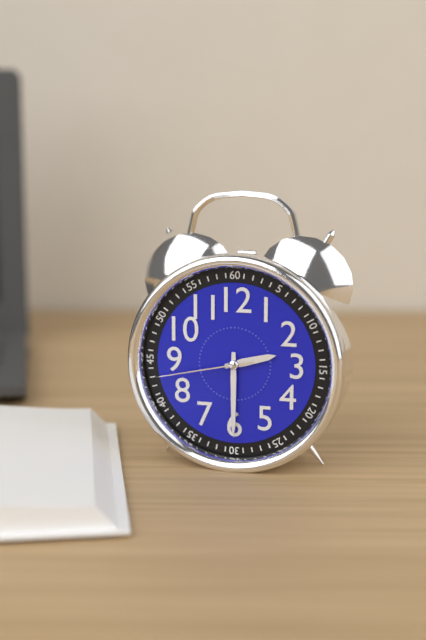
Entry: h=2 m=30 s=43
